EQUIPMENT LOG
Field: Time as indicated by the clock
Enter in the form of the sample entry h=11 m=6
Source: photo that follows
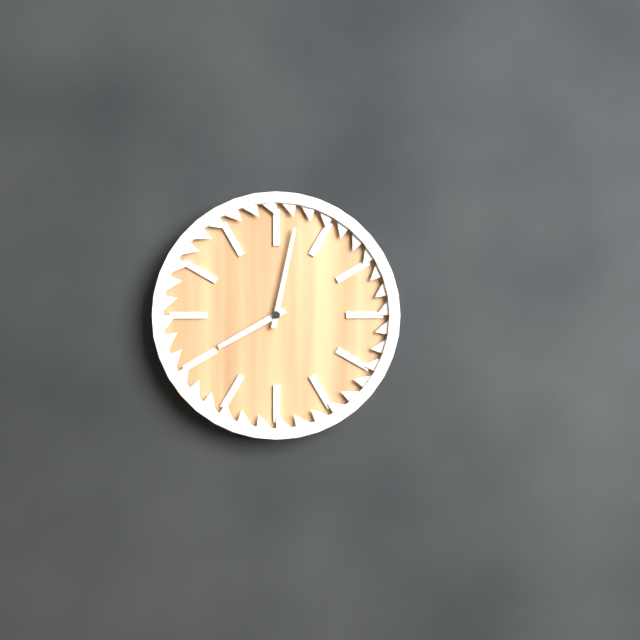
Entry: h=8 m=2
